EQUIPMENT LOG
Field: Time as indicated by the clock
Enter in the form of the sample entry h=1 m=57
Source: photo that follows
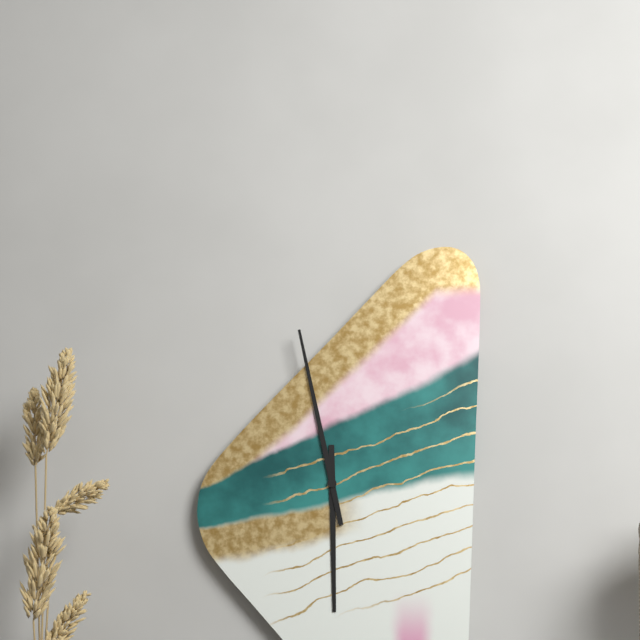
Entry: h=5 m=58
